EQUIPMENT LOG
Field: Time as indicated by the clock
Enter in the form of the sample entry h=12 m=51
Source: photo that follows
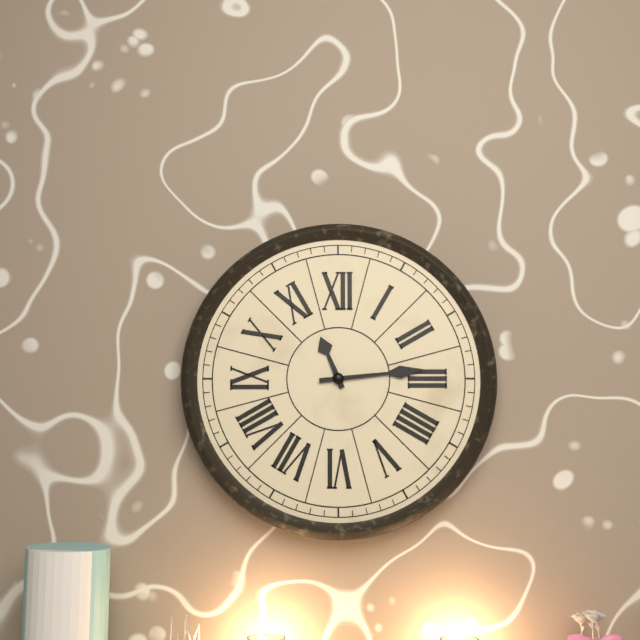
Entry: h=11 m=14
